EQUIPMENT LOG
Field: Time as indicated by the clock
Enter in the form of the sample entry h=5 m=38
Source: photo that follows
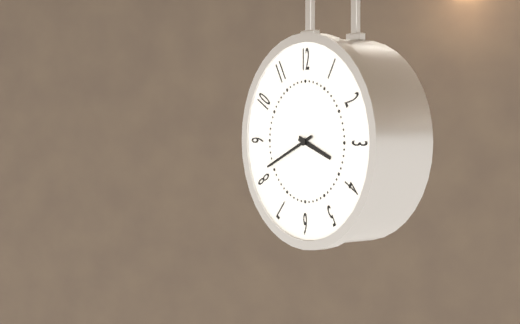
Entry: h=3 m=41
